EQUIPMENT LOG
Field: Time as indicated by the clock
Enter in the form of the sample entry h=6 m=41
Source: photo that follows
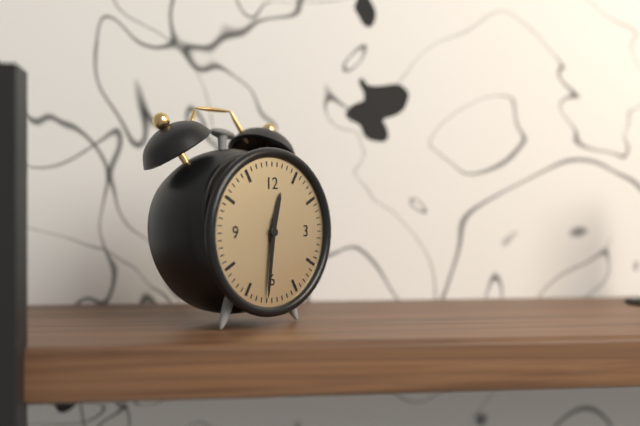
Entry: h=12 m=31
